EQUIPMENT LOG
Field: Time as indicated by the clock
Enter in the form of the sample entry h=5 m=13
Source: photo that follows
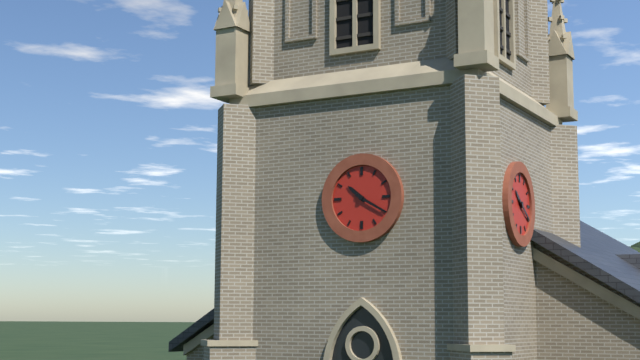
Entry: h=10 m=20
